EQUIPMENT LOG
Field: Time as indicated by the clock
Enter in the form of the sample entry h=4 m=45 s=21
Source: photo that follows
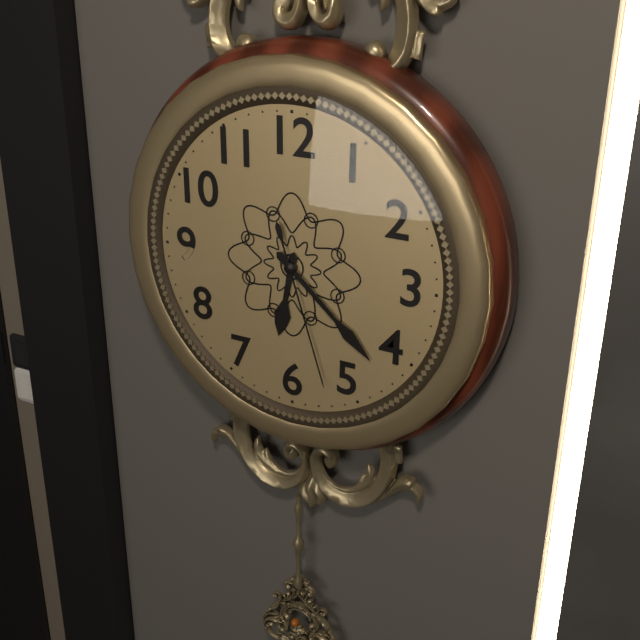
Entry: h=6 m=22 s=27
